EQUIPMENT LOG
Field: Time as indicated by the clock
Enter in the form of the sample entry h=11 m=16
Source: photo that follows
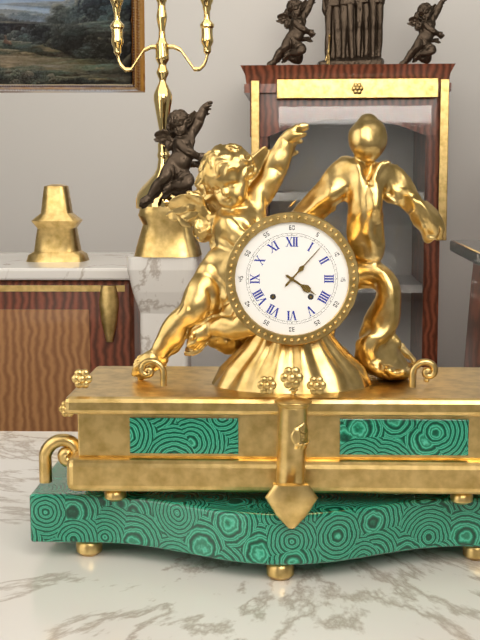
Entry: h=4 m=7
